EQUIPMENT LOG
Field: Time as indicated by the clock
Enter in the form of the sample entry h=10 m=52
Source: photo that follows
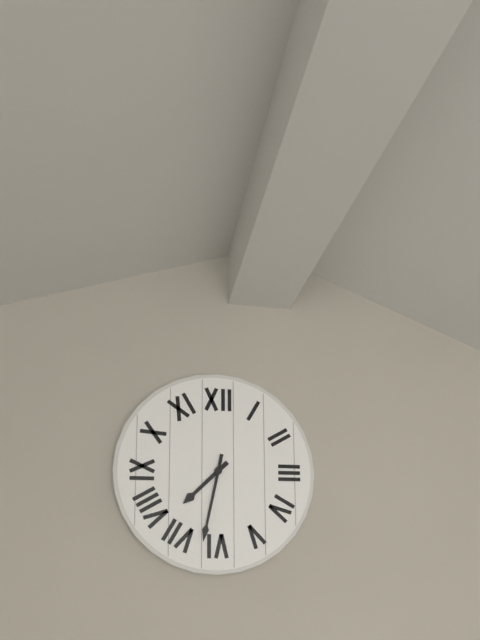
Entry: h=7 m=32
